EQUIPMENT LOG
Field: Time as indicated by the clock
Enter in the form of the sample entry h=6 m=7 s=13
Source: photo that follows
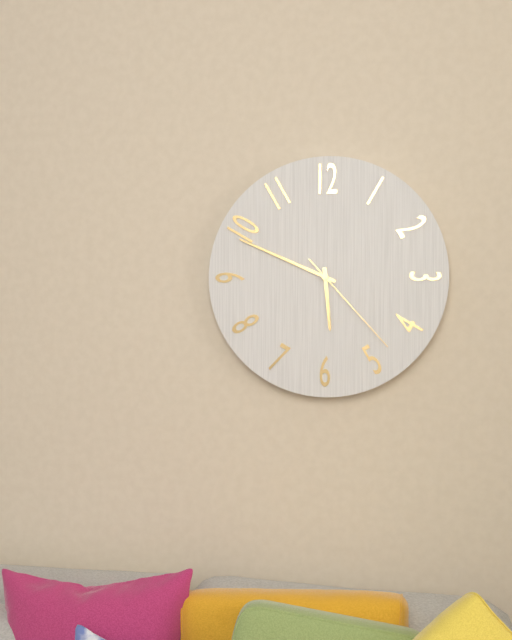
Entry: h=5 m=49 s=23
